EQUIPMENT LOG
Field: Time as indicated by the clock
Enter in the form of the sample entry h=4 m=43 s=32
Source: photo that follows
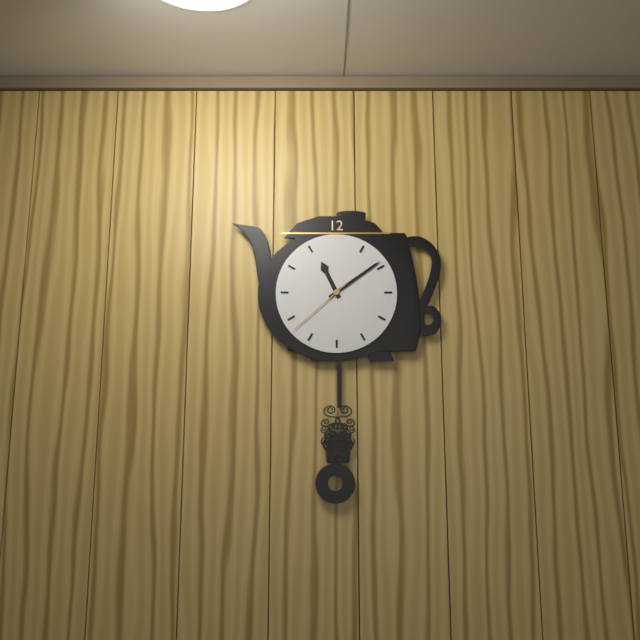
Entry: h=11 m=9 s=38
